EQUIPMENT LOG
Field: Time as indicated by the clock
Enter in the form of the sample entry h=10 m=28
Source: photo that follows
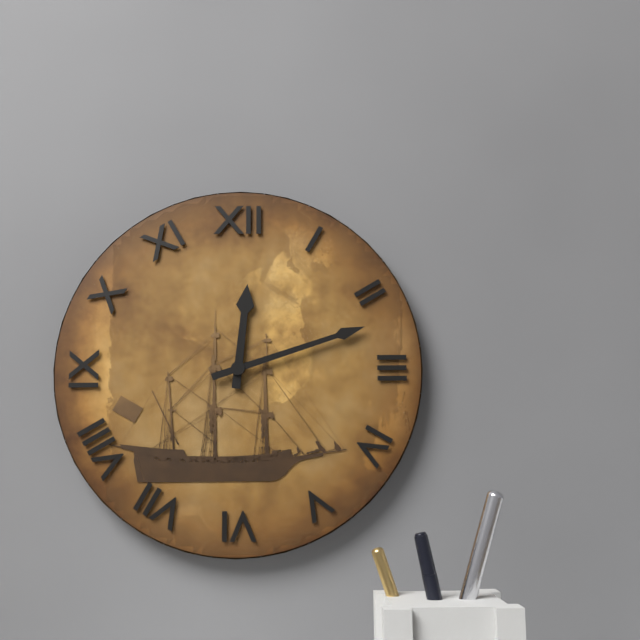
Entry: h=12 m=12
